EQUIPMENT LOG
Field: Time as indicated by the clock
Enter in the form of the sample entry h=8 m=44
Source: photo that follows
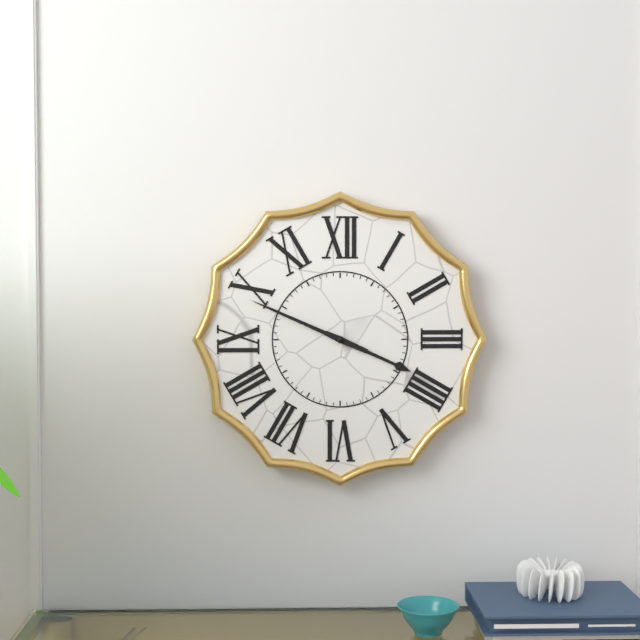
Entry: h=3 m=49
